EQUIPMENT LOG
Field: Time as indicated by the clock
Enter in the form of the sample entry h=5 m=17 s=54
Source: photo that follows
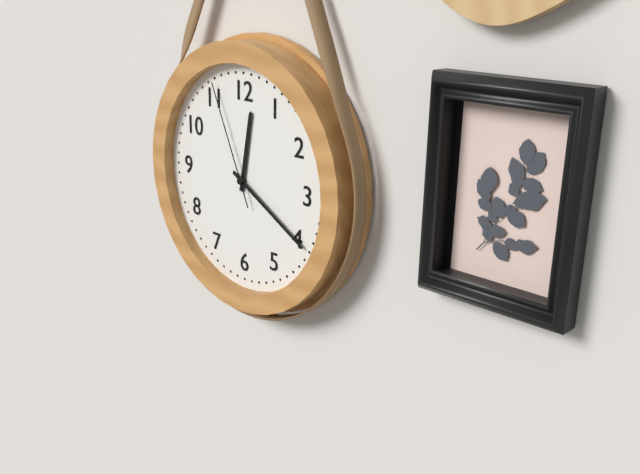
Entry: h=12 m=20 s=56
